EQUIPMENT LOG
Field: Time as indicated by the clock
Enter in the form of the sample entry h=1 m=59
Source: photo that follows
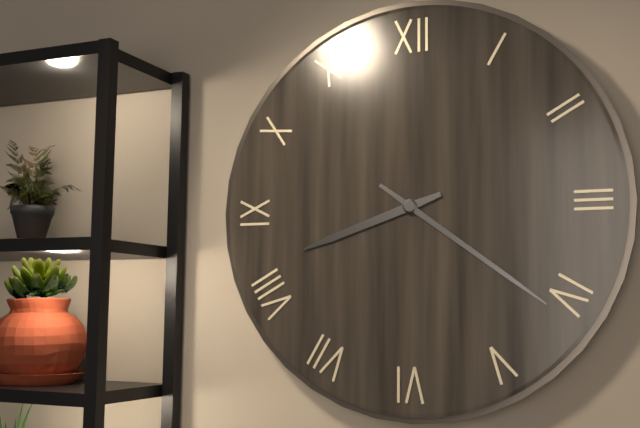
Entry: h=8 m=21
